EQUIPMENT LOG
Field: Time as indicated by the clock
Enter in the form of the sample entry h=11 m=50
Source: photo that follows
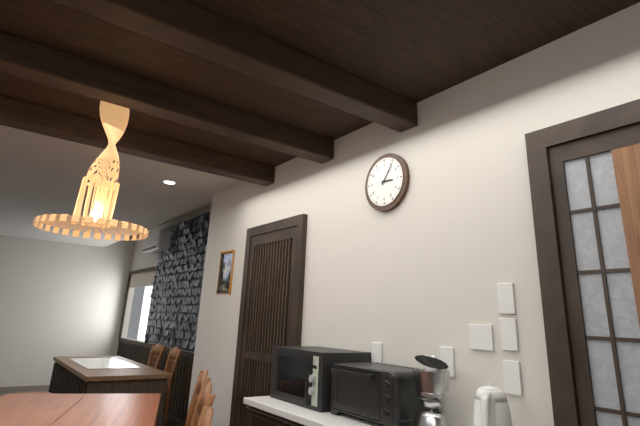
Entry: h=3 m=6
